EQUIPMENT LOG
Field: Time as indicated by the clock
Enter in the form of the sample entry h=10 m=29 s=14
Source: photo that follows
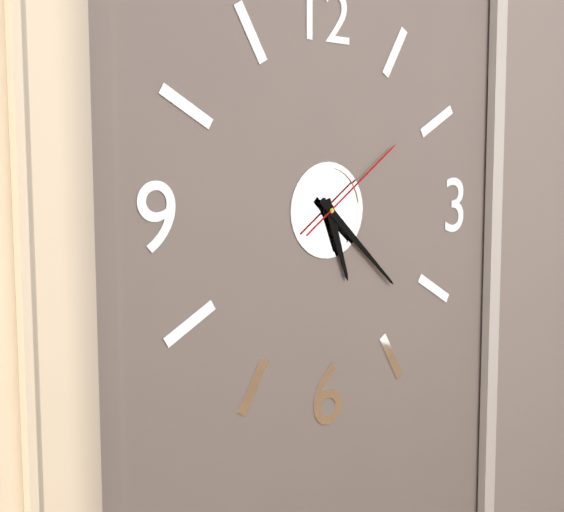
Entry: h=5 m=22 s=9
